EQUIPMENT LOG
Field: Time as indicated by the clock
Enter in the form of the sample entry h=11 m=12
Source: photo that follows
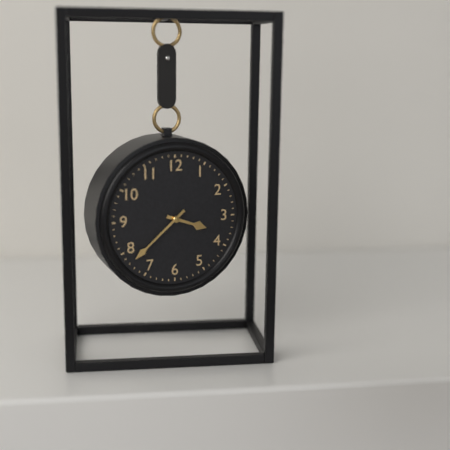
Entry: h=3 m=38
